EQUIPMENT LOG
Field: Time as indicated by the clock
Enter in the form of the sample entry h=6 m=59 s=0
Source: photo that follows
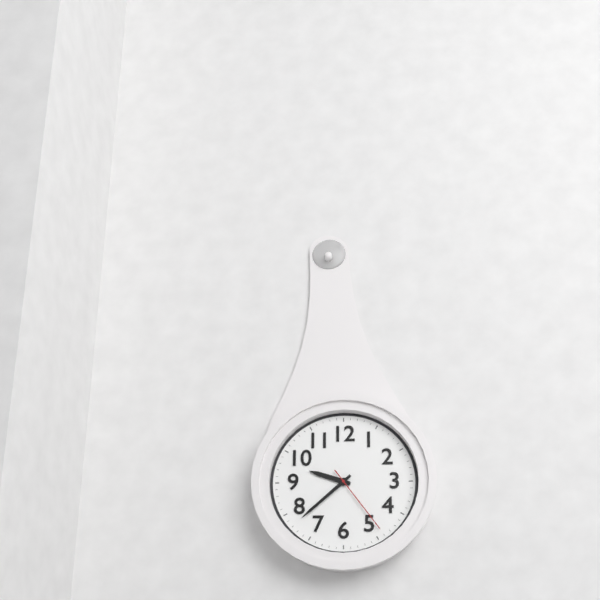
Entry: h=9 m=38 s=24
